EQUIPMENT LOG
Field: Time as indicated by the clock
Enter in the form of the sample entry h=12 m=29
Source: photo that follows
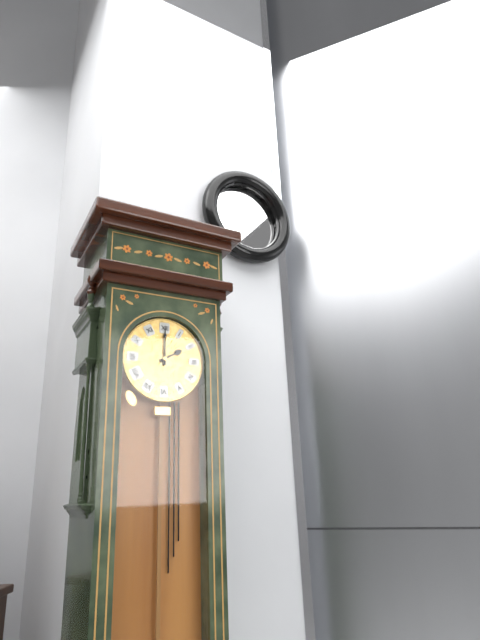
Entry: h=2 m=0
